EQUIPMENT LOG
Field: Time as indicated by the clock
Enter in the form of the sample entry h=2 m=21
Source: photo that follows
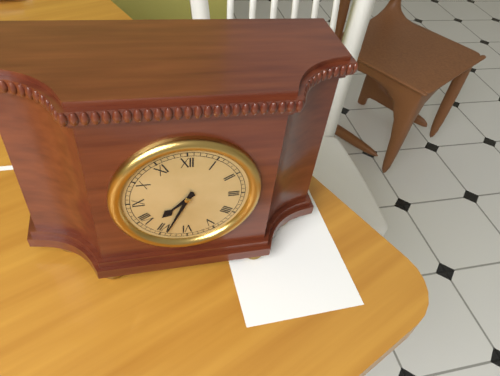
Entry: h=7 m=34
